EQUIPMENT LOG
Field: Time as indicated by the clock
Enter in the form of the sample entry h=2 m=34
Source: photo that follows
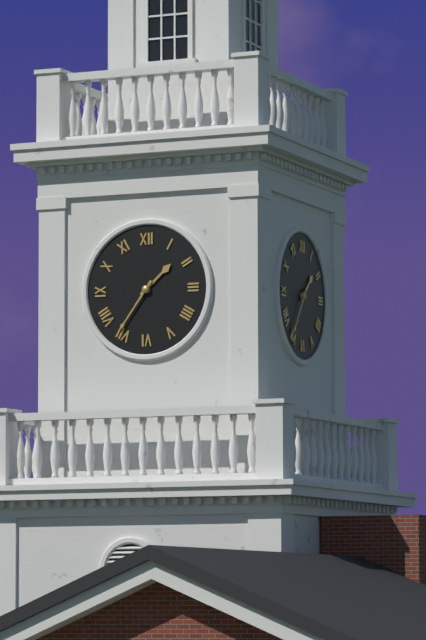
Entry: h=1 m=36
